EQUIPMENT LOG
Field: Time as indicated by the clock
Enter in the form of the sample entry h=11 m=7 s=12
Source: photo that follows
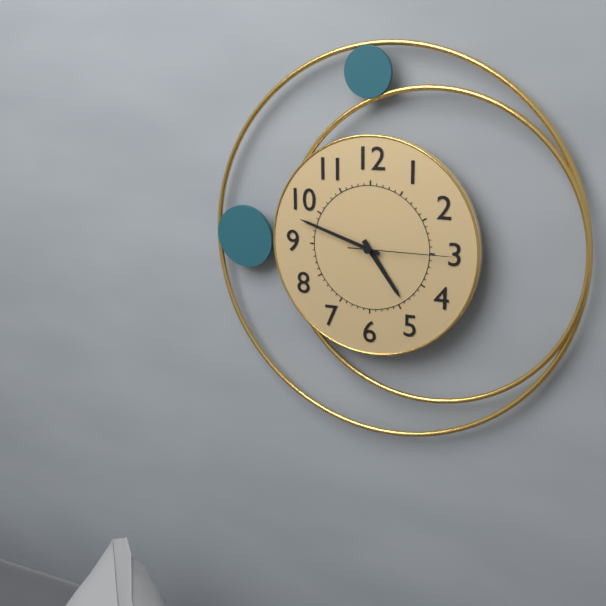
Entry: h=4 m=48 s=15
